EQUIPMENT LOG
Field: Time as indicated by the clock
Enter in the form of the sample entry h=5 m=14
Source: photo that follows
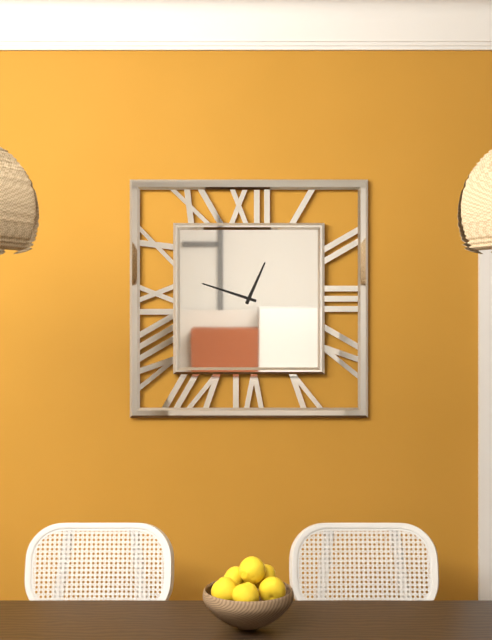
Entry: h=12 m=48
